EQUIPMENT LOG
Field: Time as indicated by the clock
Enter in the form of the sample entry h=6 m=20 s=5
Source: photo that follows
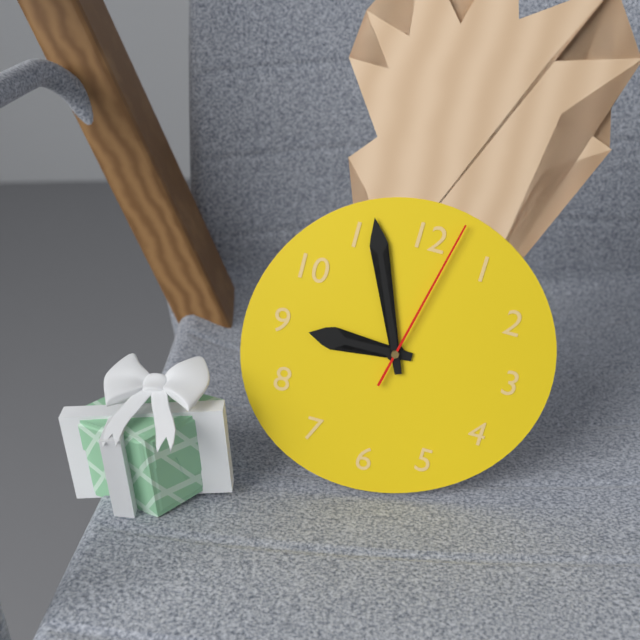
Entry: h=8 m=56 s=2
